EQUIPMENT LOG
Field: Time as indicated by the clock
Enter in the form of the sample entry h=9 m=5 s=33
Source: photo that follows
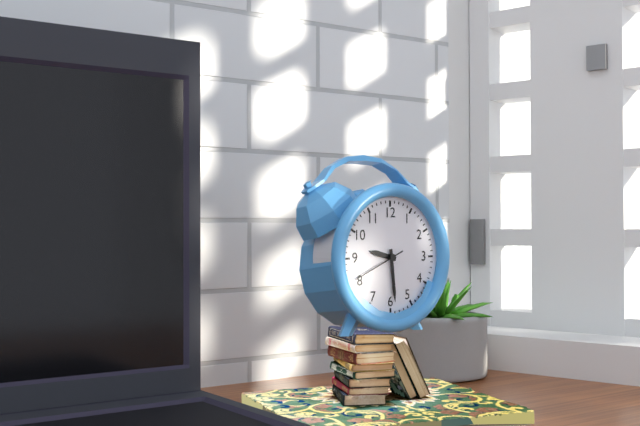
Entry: h=9 m=29 s=41
